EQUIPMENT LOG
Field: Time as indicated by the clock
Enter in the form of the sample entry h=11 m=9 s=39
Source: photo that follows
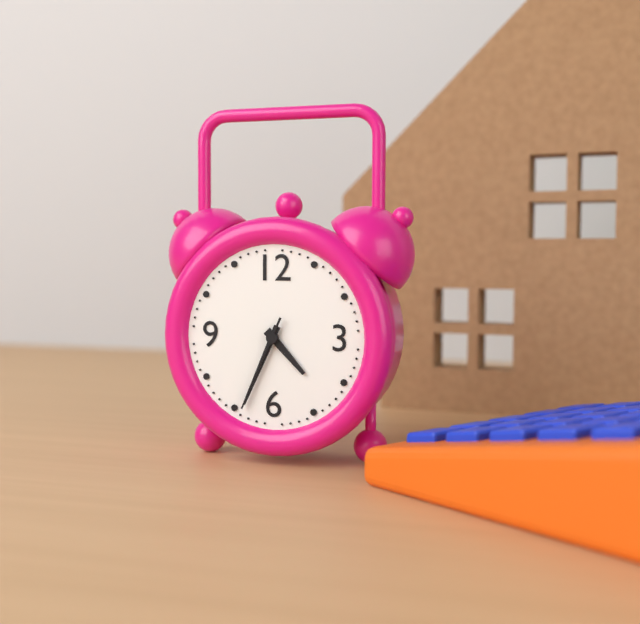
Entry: h=4 m=34 s=34
